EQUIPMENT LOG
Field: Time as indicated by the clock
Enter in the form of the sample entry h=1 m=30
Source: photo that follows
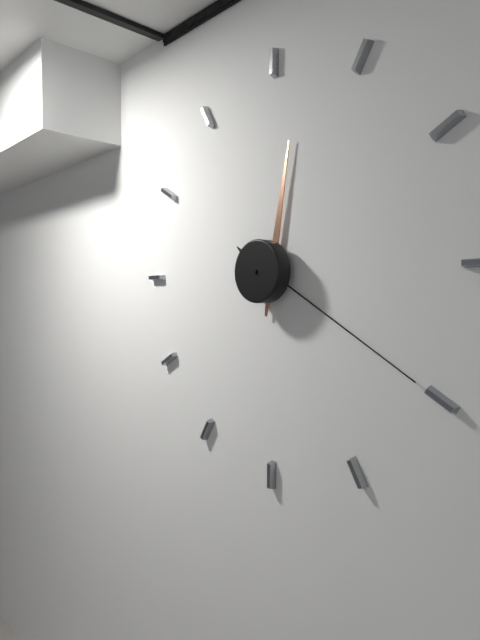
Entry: h=12 m=20
